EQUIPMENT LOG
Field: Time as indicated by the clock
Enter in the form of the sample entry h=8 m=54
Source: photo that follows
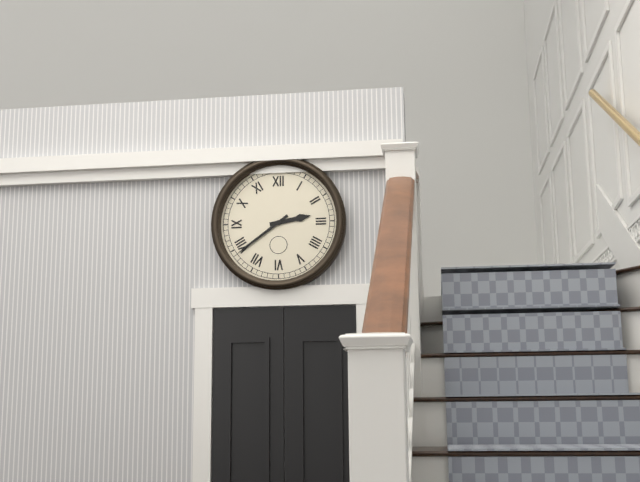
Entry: h=2 m=39
